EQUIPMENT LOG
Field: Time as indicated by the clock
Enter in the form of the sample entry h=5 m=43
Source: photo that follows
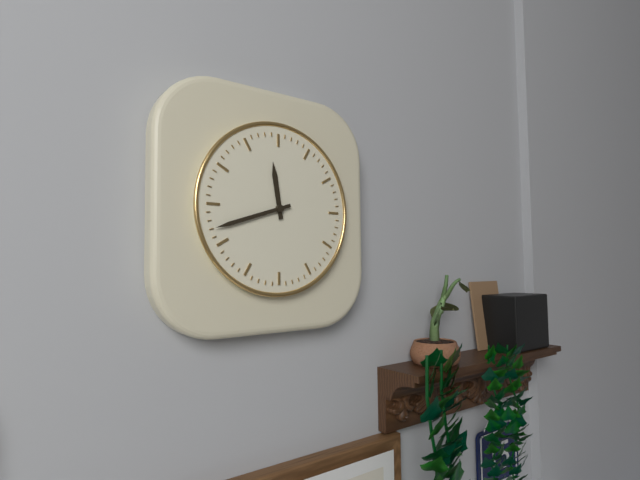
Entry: h=11 m=42
